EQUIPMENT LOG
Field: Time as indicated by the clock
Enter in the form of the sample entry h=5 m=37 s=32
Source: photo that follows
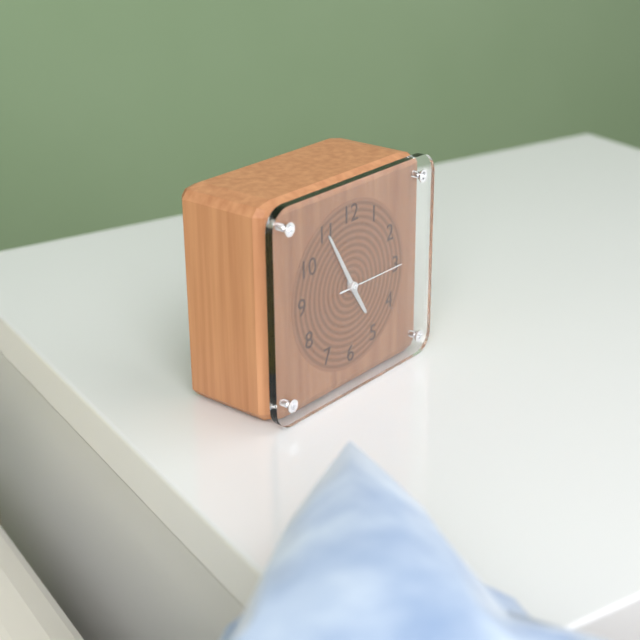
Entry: h=4 m=55 s=15
